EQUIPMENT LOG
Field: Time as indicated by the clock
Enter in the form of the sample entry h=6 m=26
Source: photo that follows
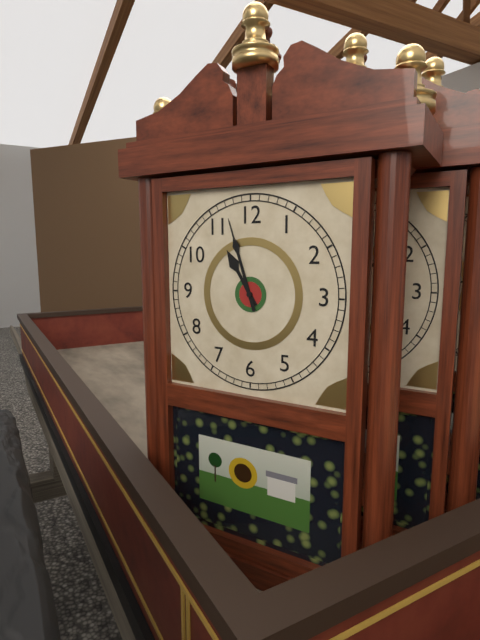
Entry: h=10 m=57
